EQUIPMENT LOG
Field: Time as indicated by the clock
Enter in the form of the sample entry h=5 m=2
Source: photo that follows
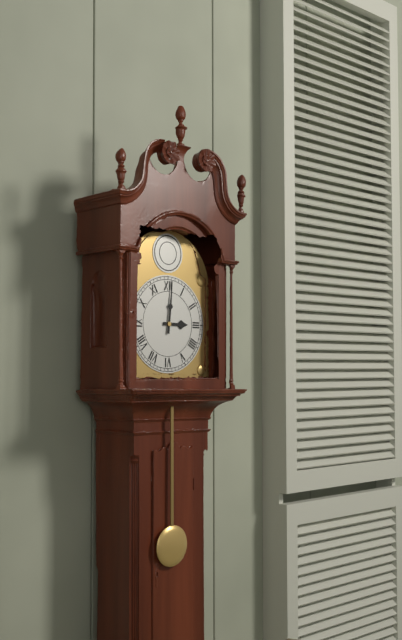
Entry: h=3 m=1
